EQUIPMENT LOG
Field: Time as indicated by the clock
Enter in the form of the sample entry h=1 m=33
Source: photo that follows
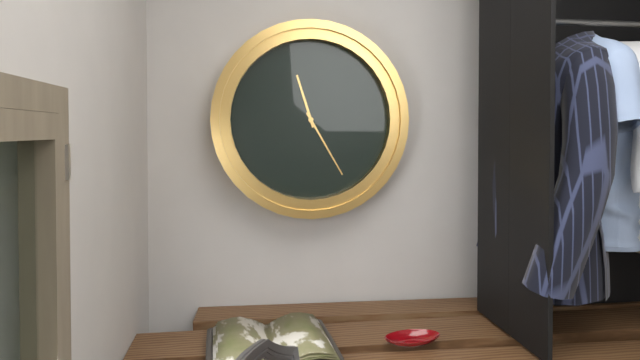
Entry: h=11 m=25
